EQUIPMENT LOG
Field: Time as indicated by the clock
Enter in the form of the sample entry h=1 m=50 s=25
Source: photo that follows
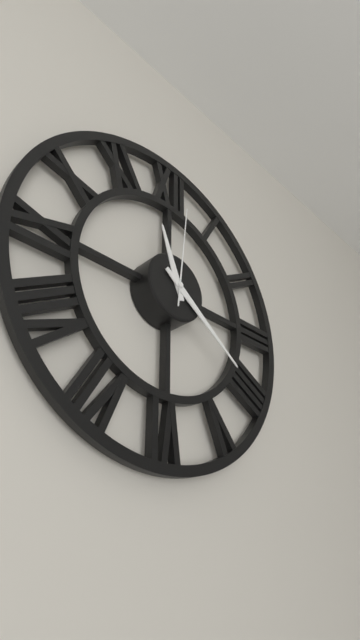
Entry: h=11 m=21 s=1
